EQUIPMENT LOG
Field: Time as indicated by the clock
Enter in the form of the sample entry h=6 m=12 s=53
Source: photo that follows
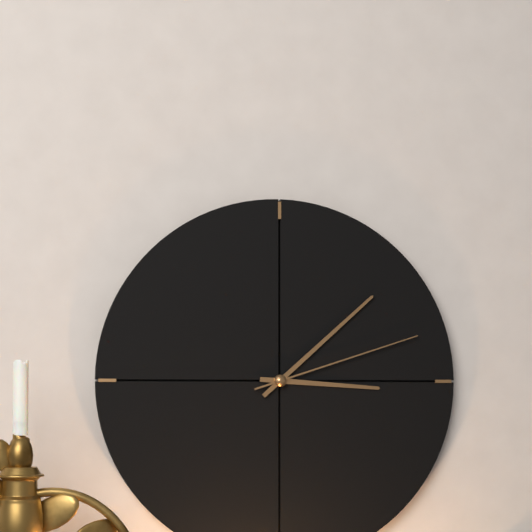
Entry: h=3 m=8 s=12
